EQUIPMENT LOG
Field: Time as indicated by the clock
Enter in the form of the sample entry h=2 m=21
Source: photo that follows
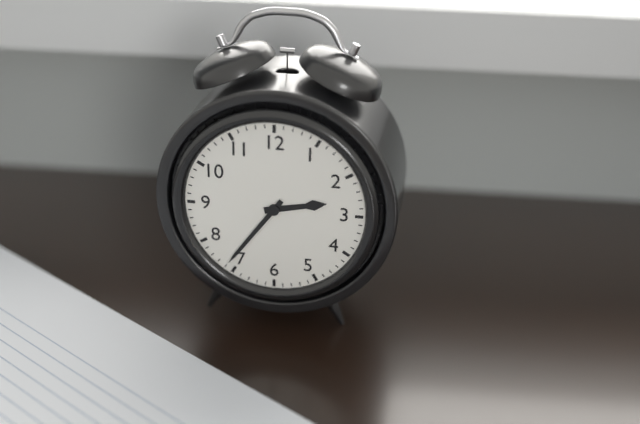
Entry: h=2 m=36
